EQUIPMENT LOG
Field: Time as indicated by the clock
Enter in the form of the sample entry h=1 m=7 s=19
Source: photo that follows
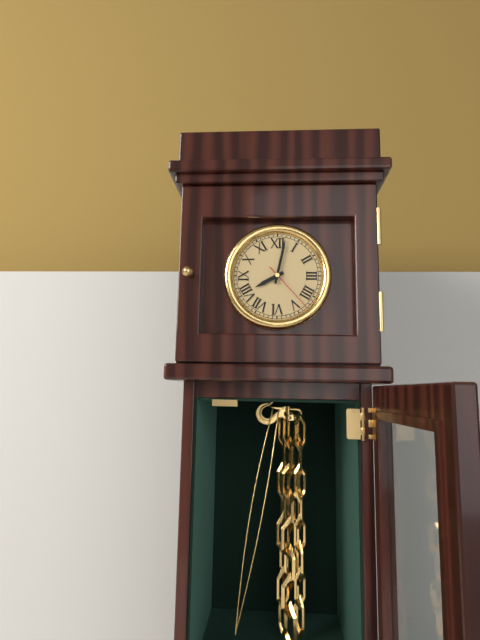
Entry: h=8 m=2 s=23
